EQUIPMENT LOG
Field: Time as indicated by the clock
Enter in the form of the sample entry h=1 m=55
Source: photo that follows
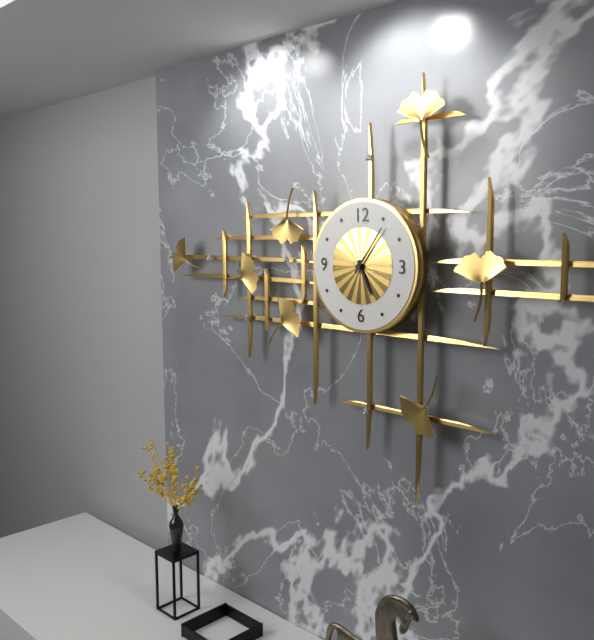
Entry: h=5 m=6
